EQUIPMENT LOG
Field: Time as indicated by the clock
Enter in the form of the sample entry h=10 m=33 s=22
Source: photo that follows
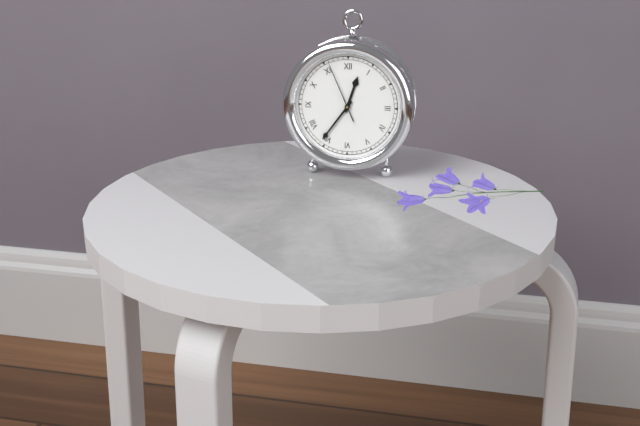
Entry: h=12 m=36 s=56
